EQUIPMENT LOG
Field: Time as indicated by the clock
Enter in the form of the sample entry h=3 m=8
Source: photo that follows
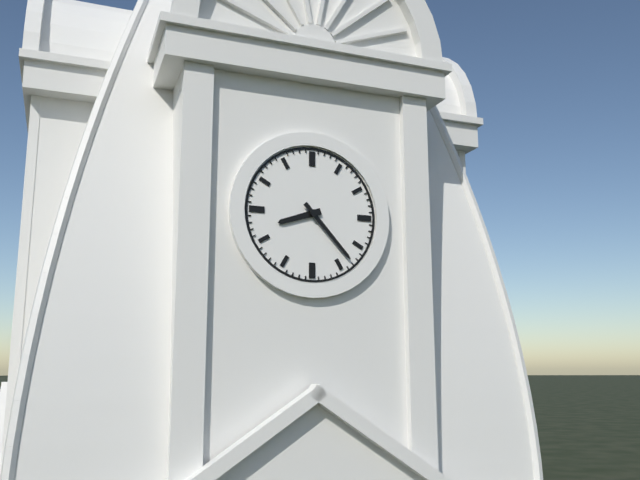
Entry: h=8 m=23
